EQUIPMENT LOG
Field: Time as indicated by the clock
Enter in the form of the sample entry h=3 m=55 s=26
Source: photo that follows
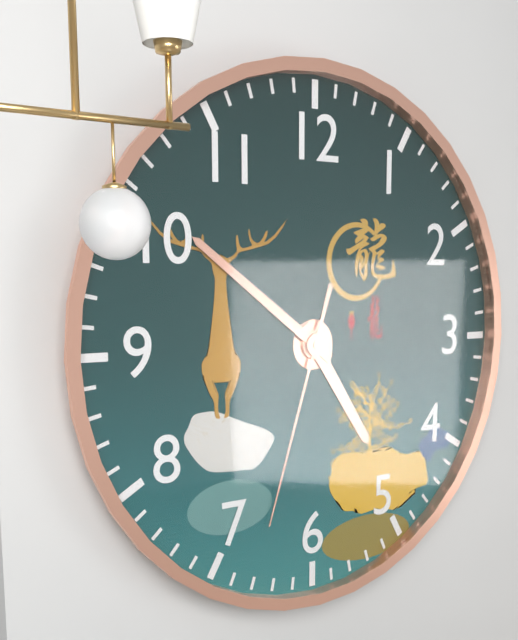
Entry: h=4 m=51 s=33
